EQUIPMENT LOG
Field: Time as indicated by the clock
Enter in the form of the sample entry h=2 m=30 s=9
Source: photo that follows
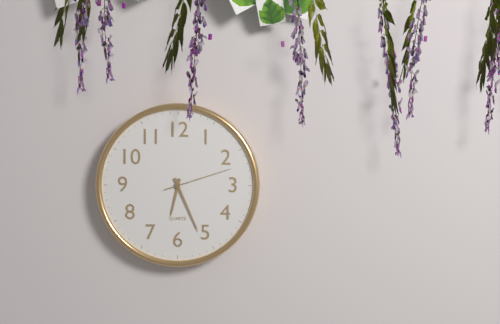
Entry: h=6 m=26 s=12
